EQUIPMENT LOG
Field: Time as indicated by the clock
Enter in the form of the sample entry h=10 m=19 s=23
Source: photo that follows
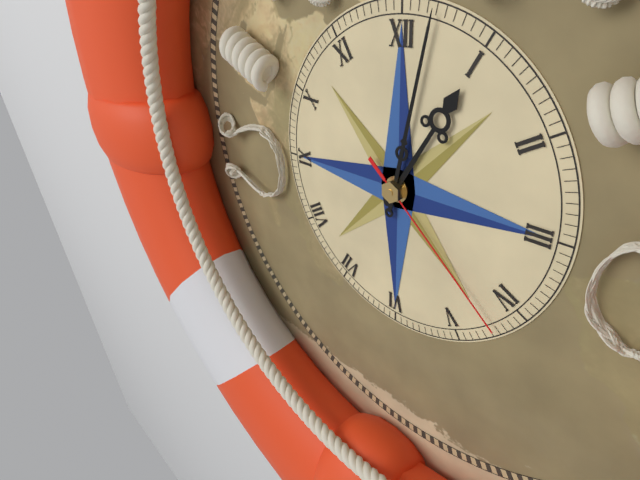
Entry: h=1 m=2 s=22
